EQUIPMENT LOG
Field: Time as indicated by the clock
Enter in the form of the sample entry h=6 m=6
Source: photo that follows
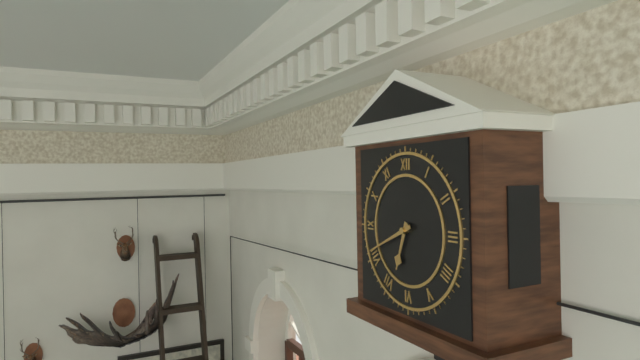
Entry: h=6 m=41
